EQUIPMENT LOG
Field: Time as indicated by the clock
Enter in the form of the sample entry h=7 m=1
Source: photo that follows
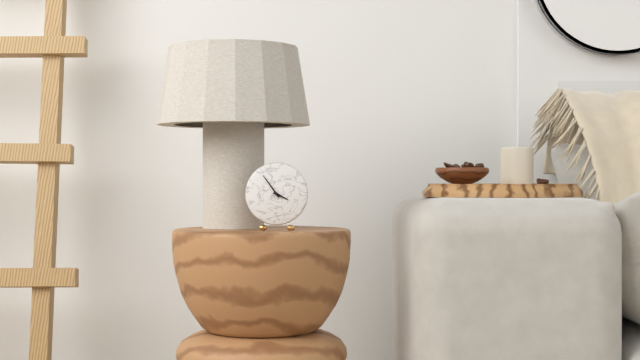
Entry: h=3 m=54
